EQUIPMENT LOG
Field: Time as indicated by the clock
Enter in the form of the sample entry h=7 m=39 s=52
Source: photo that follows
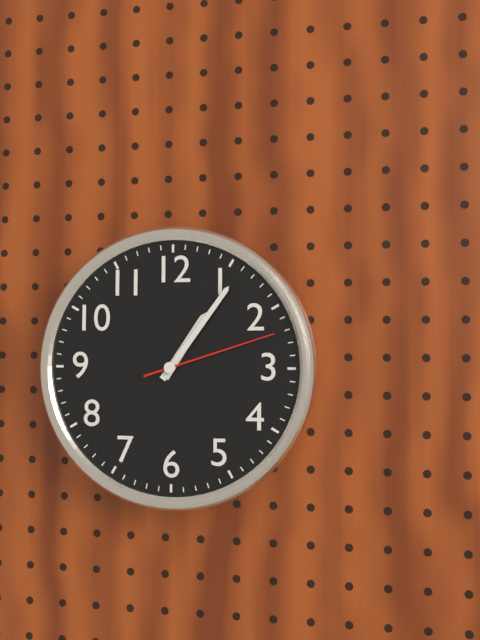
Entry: h=1 m=6 s=12
